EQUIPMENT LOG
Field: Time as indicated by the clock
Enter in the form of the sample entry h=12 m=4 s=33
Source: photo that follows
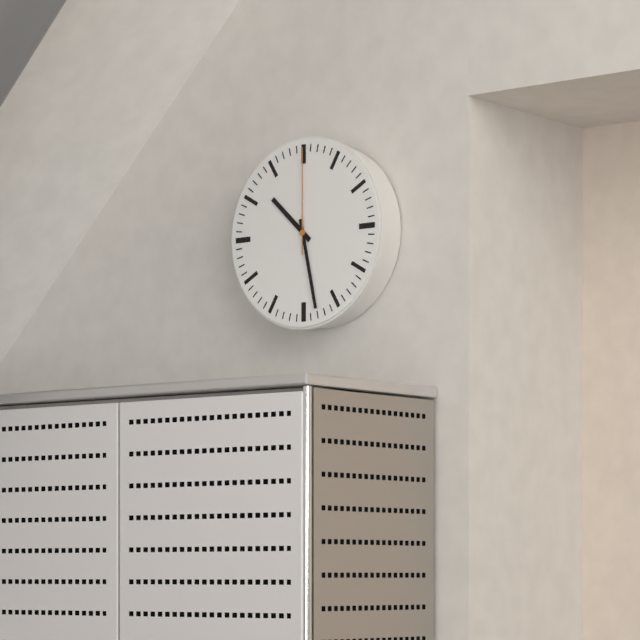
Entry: h=10 m=28 s=0
